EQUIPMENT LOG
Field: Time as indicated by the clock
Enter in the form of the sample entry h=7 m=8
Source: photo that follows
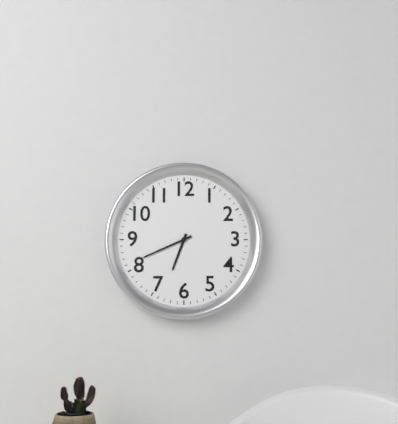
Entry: h=6 m=41
